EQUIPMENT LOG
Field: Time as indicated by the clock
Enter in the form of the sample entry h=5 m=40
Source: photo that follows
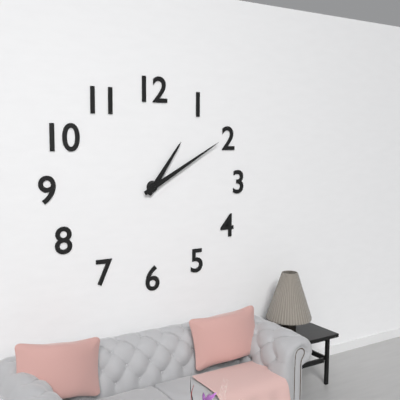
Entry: h=1 m=10
